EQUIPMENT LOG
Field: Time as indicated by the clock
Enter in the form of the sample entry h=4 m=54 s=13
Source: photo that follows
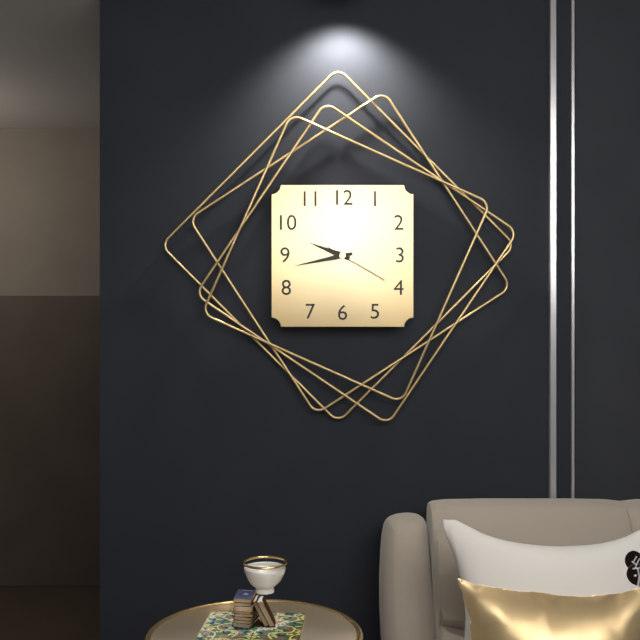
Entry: h=9 m=43 s=20
